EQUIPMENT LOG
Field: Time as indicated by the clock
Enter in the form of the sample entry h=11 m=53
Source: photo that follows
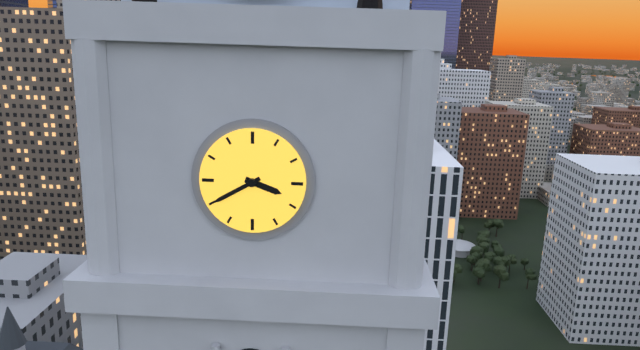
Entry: h=3 m=40
